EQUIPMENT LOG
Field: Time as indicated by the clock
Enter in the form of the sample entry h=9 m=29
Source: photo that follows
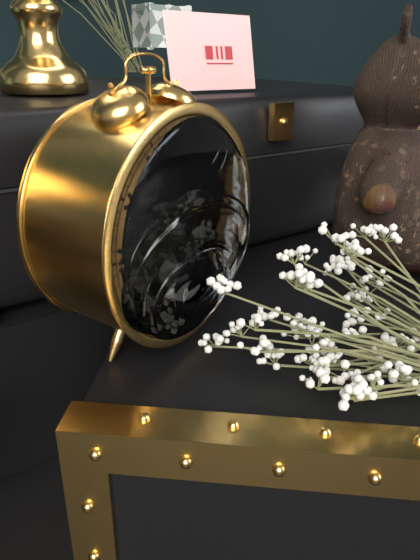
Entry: h=10 m=20
